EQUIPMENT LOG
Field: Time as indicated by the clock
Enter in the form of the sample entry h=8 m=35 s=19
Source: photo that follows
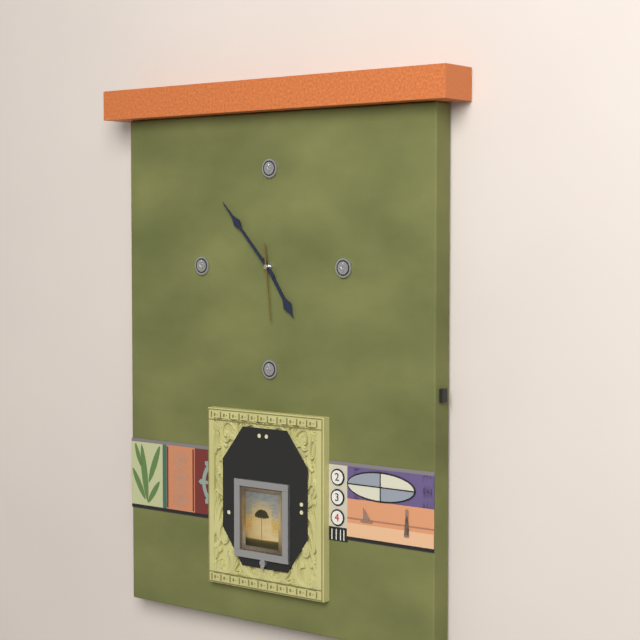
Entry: h=4 m=53 s=29
